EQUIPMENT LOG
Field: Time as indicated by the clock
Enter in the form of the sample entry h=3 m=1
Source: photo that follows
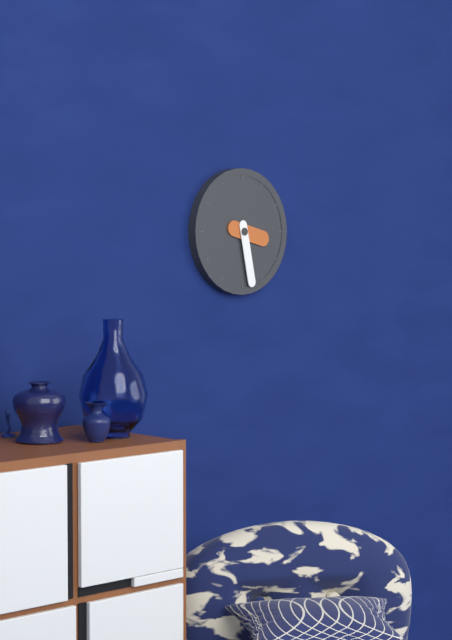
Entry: h=3 m=28
